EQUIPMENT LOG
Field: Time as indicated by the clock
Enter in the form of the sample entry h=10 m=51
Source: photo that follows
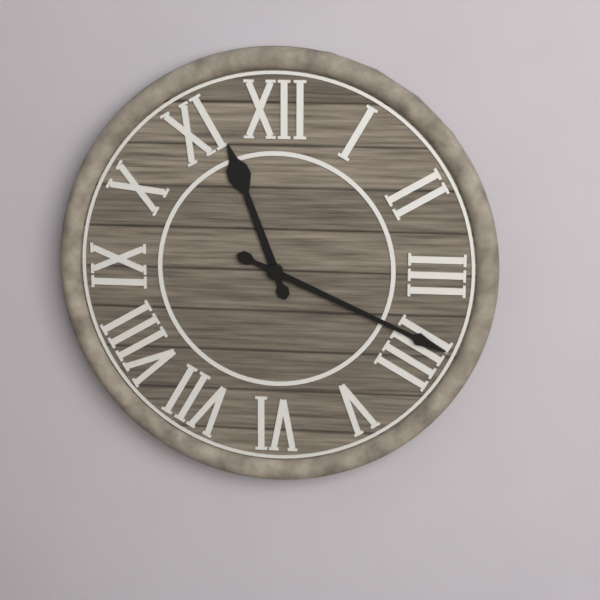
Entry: h=11 m=19
